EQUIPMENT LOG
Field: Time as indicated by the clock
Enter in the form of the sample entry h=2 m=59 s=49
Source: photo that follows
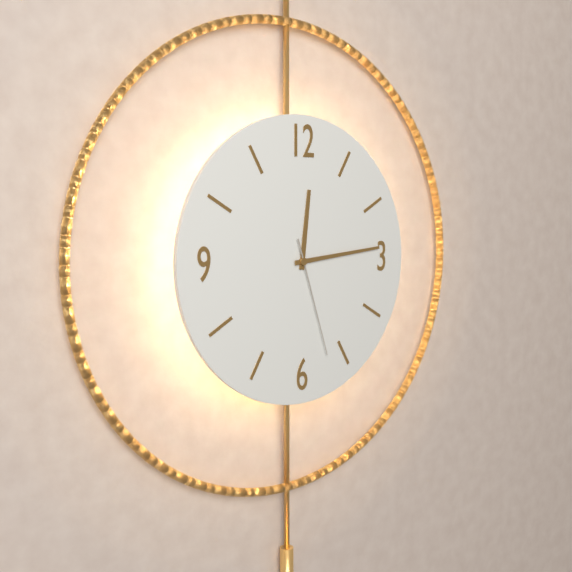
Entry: h=12 m=14 s=27
